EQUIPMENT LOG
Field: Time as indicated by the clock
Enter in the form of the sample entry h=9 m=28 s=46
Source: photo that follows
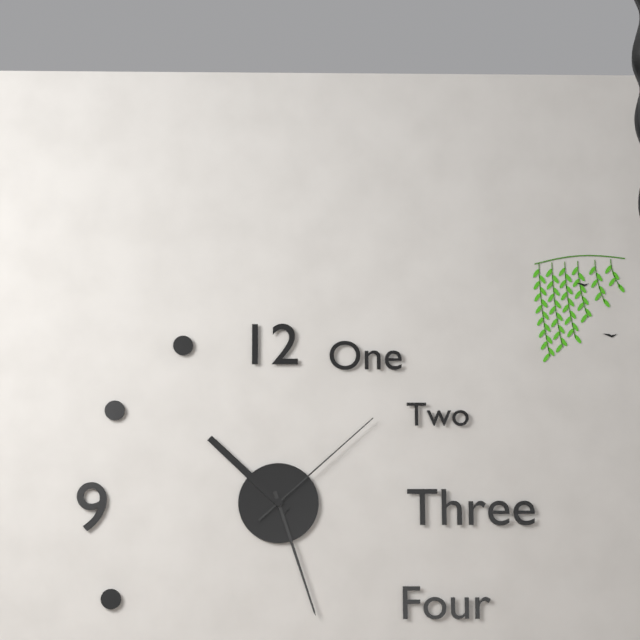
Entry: h=10 m=27 s=8
